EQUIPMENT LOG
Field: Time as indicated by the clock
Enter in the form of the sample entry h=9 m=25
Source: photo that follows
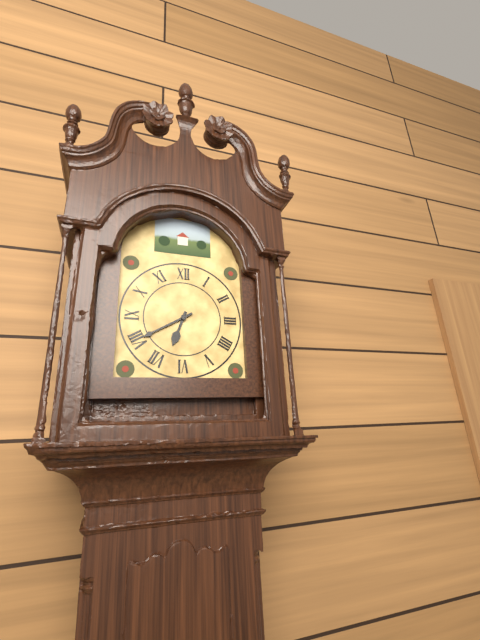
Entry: h=6 m=40
